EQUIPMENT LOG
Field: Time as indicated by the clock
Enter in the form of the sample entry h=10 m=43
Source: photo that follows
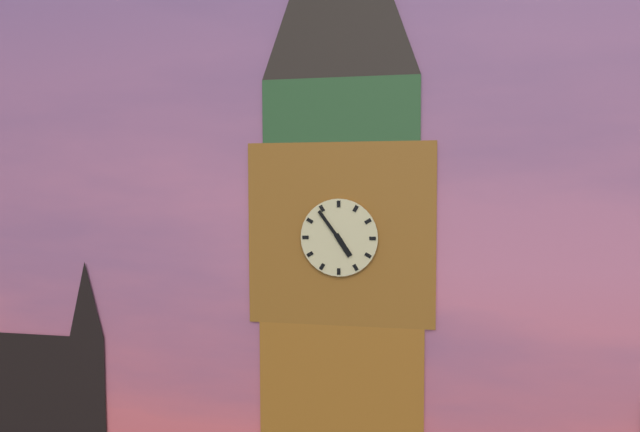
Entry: h=4 m=54
